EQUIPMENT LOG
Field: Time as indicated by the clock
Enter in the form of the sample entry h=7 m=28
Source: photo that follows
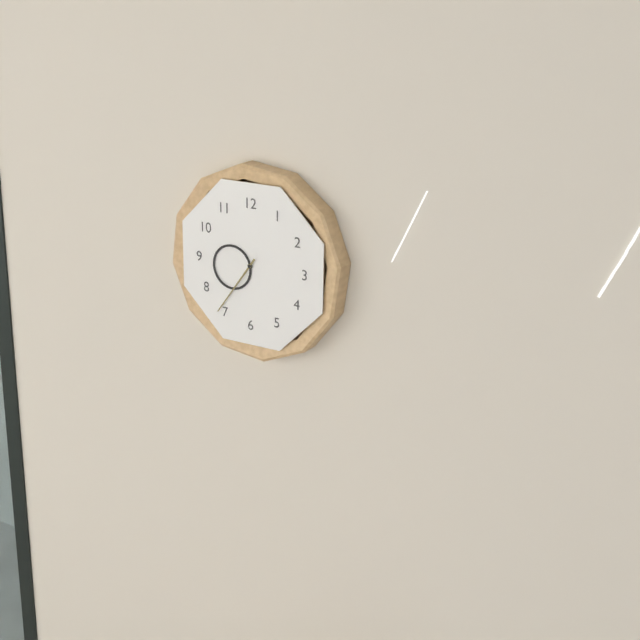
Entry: h=8 m=36
